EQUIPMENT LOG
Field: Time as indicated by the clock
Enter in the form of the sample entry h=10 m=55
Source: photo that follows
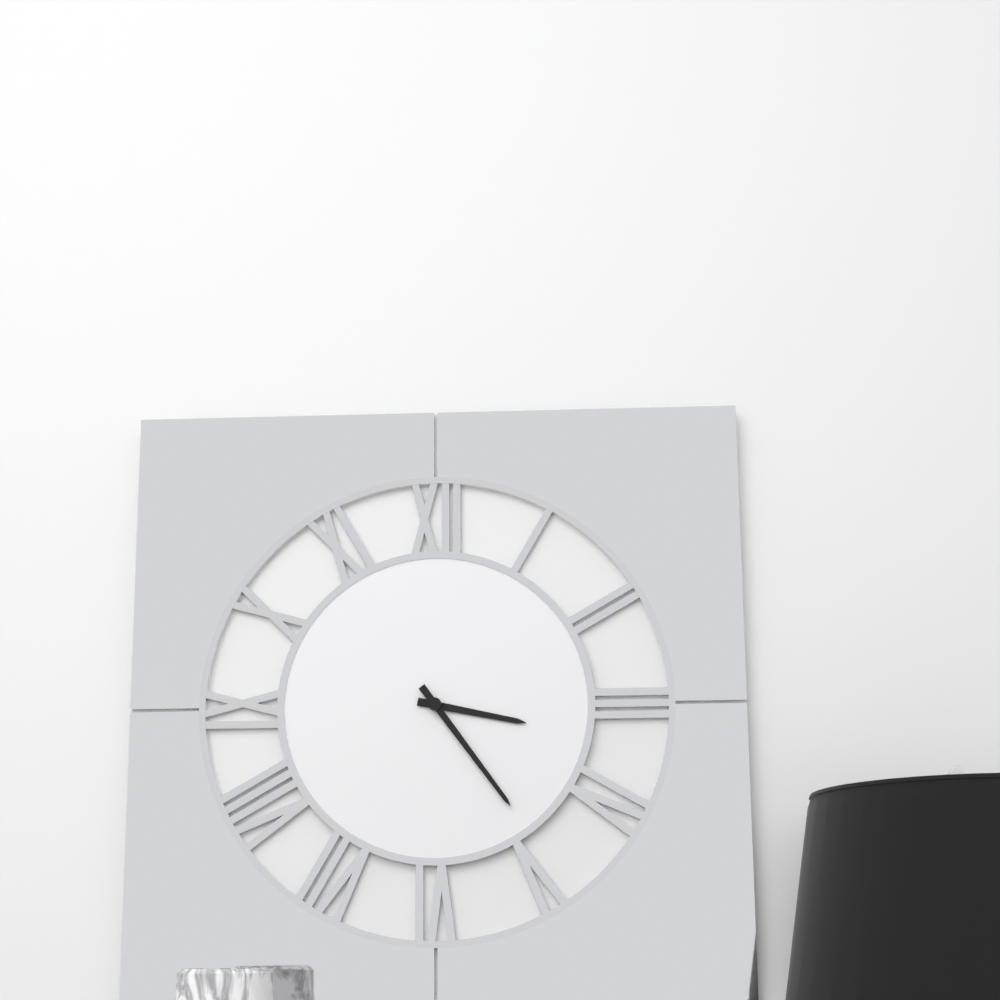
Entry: h=3 m=24
